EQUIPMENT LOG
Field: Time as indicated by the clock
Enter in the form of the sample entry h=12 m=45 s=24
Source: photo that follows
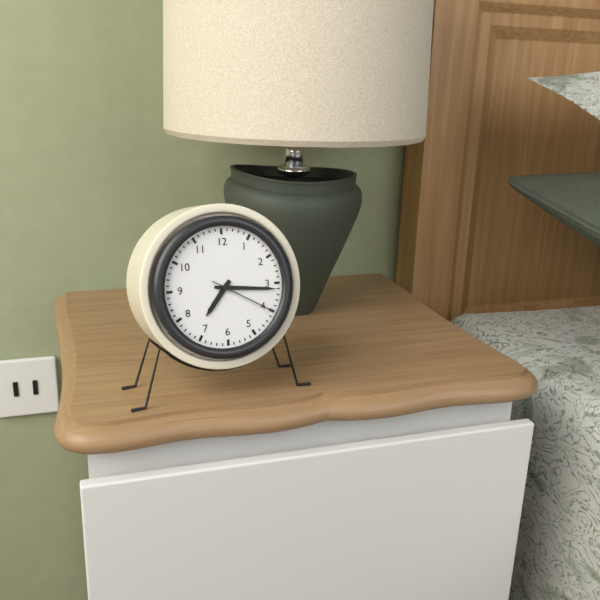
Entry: h=7 m=16 s=20
